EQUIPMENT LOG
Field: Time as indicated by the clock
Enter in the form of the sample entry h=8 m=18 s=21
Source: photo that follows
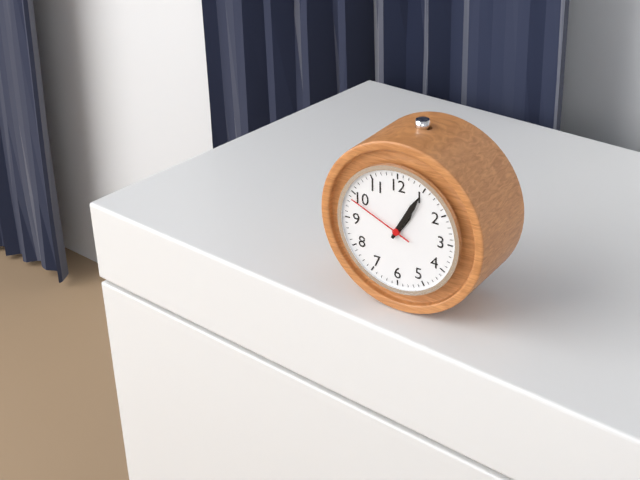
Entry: h=1 m=5 s=49
